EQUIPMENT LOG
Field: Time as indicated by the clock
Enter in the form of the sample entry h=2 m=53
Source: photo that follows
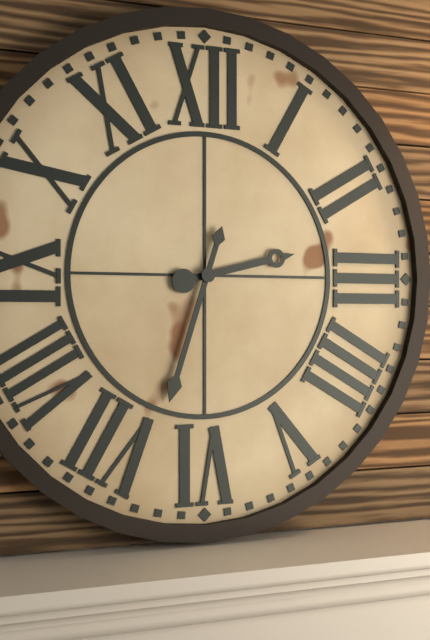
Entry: h=2 m=33
